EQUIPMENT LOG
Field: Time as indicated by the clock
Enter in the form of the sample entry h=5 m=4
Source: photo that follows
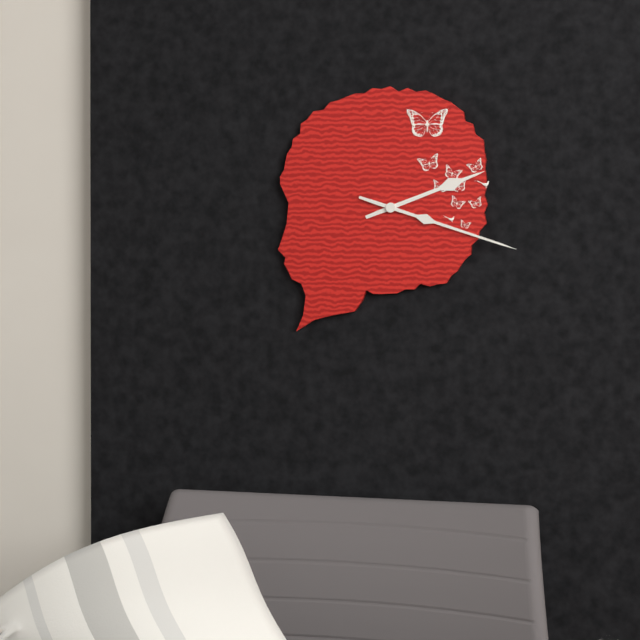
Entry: h=2 m=18
